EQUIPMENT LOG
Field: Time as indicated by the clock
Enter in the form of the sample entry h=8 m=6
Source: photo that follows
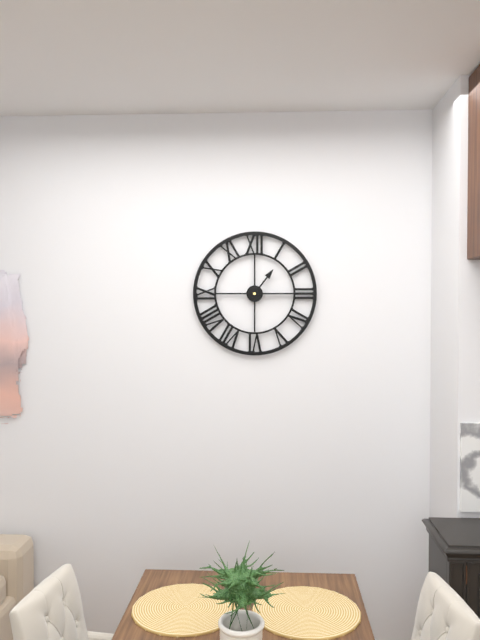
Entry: h=1 m=15
